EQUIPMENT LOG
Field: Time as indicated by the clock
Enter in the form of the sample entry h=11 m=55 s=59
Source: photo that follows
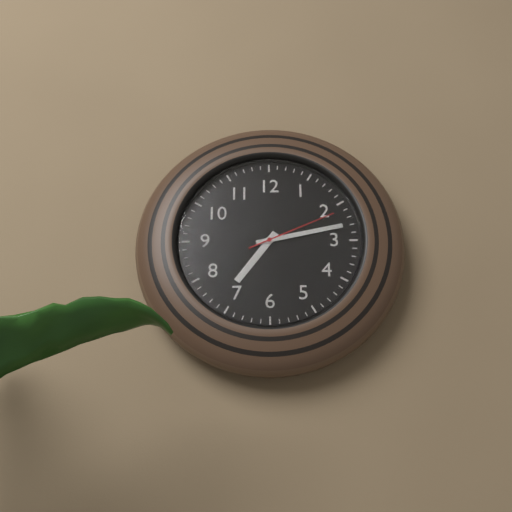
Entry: h=7 m=13 s=11
